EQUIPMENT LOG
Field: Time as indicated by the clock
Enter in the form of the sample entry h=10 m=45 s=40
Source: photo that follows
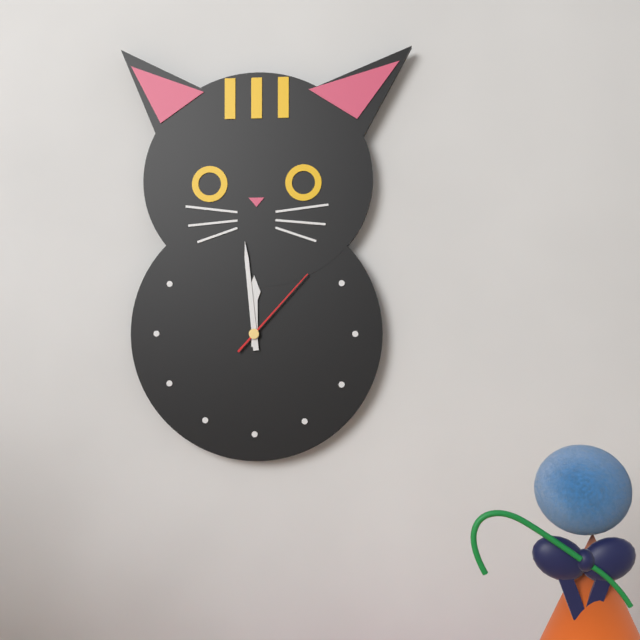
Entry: h=11 m=59 s=7
